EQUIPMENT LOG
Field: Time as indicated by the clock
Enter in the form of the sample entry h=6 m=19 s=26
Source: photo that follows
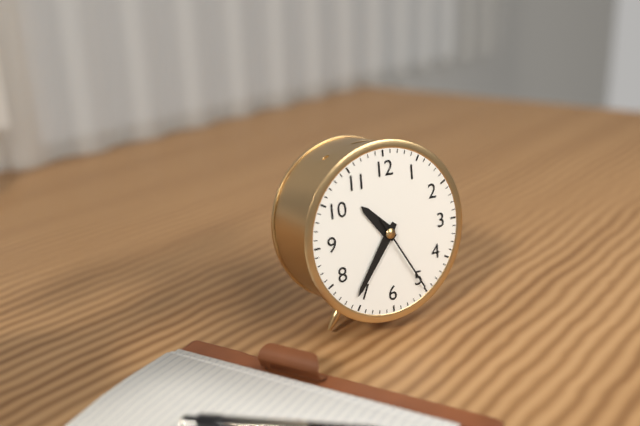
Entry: h=10 m=36 s=25
